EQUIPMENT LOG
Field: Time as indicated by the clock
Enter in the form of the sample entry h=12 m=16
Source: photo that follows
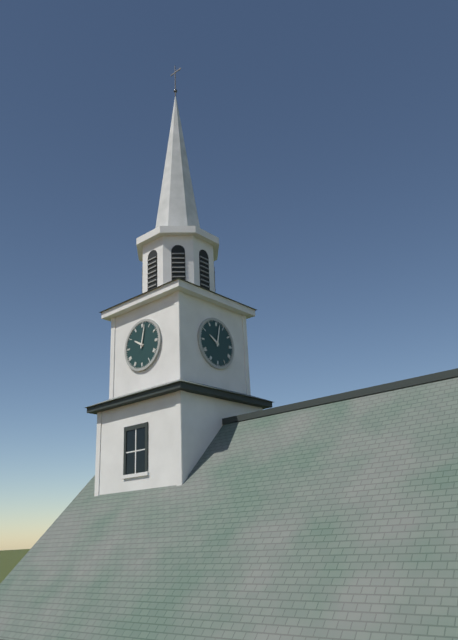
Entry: h=10 m=2
